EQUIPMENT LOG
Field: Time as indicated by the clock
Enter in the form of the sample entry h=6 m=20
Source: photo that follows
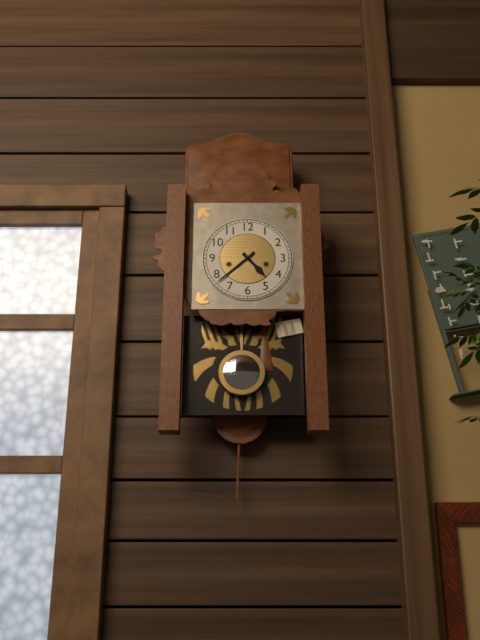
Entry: h=4 m=38
